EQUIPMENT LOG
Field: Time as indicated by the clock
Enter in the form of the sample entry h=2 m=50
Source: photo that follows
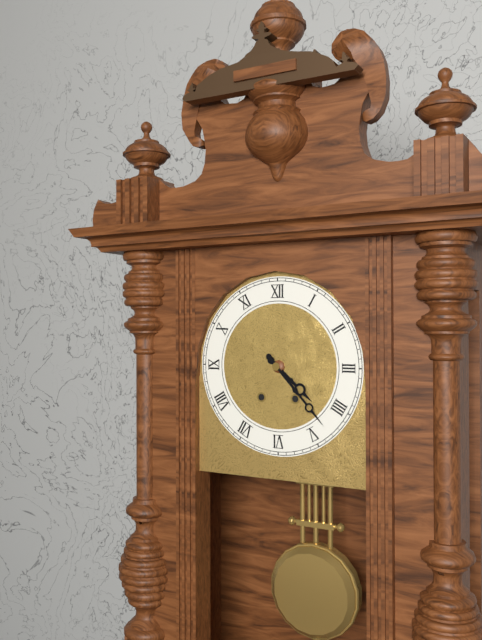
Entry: h=4 m=23
